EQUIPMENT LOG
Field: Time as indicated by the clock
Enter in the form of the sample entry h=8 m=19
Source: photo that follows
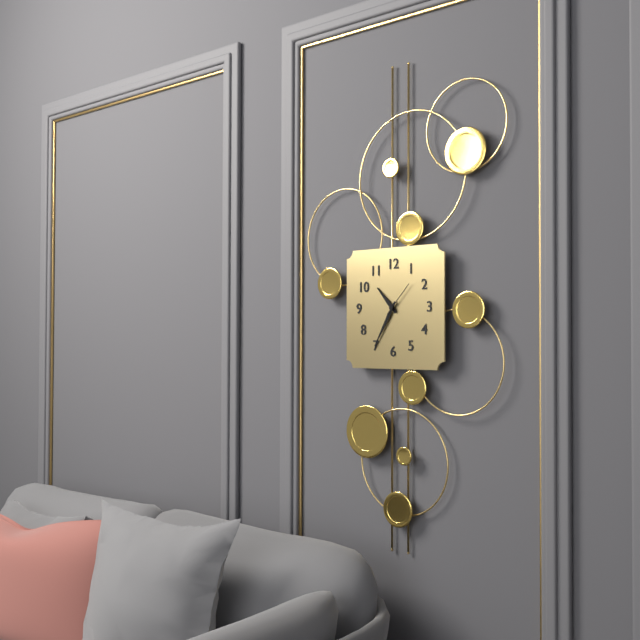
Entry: h=10 m=35
